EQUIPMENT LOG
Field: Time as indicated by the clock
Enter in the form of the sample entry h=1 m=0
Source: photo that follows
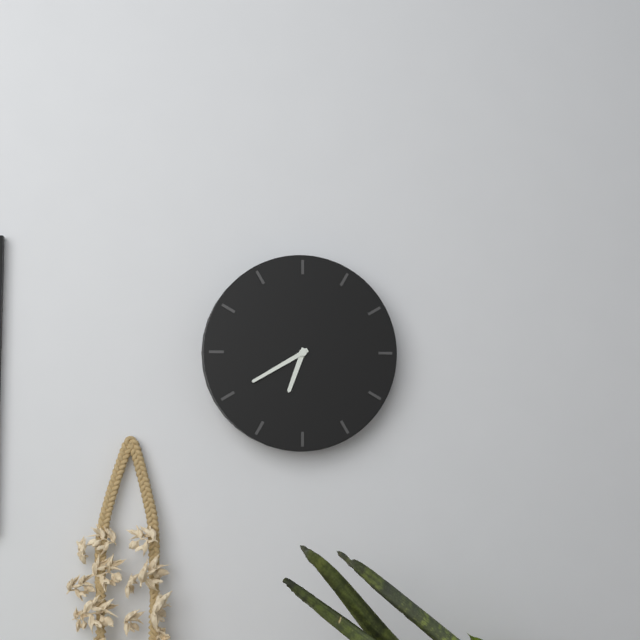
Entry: h=6 m=40
